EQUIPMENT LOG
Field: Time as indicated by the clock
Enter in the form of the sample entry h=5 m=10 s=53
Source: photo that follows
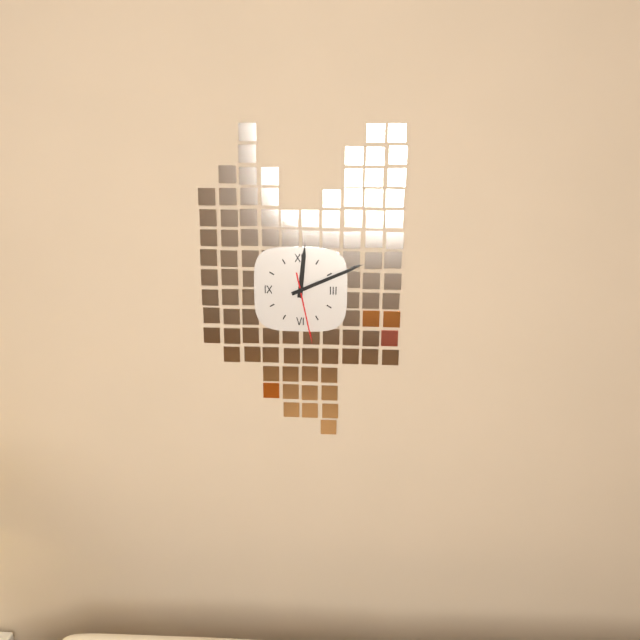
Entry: h=12 m=11 s=28
